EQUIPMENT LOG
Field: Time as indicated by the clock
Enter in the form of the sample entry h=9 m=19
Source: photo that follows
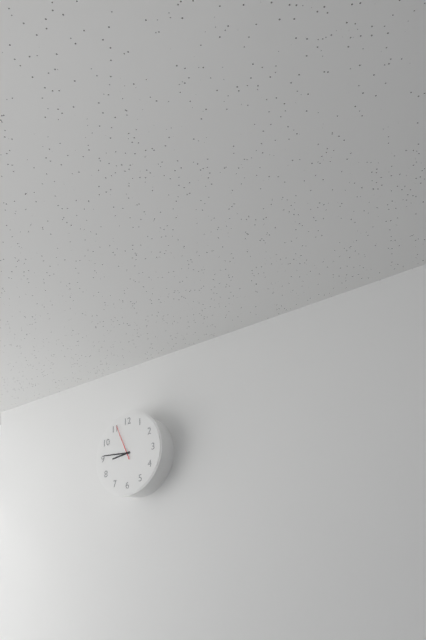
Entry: h=8 m=46
